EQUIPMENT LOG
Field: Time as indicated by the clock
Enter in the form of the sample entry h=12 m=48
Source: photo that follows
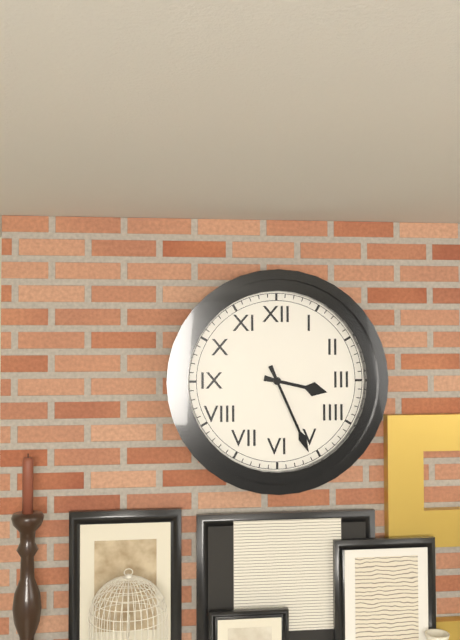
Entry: h=3 m=26
